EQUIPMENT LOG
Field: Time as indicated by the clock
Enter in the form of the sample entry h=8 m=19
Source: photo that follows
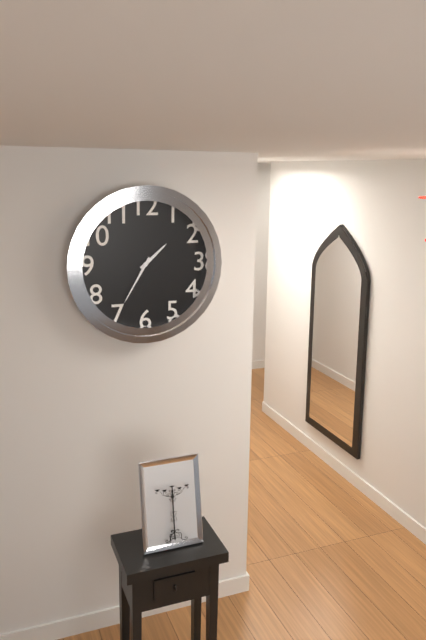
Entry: h=1 m=35
